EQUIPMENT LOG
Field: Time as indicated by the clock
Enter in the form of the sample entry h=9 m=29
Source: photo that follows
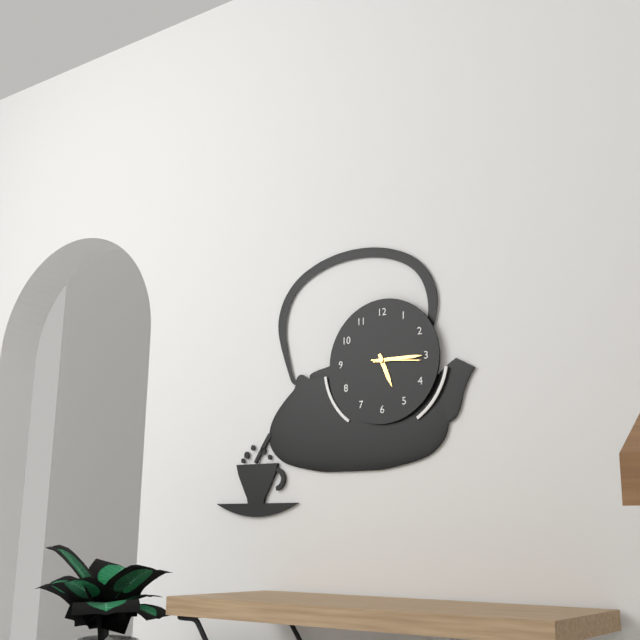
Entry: h=5 m=15
